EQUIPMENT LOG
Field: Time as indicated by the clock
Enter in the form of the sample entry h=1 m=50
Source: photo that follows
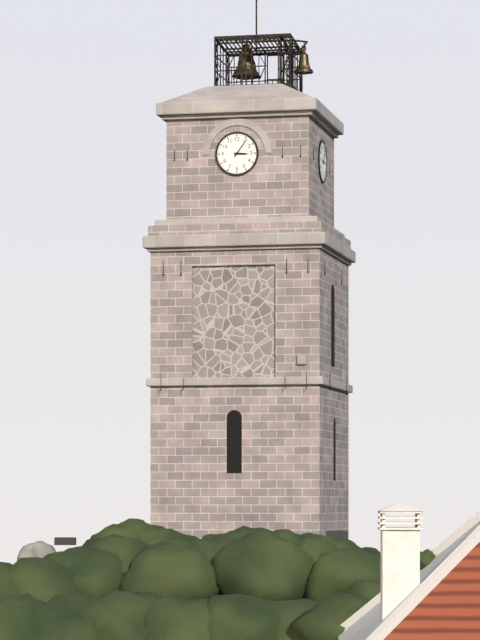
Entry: h=3 m=6
